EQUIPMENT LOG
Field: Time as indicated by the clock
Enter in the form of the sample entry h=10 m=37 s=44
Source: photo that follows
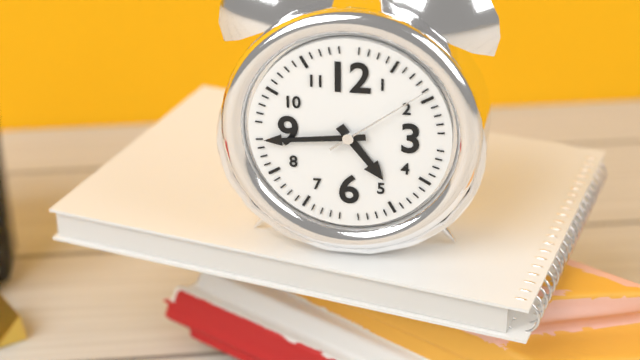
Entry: h=4 m=44 s=9
